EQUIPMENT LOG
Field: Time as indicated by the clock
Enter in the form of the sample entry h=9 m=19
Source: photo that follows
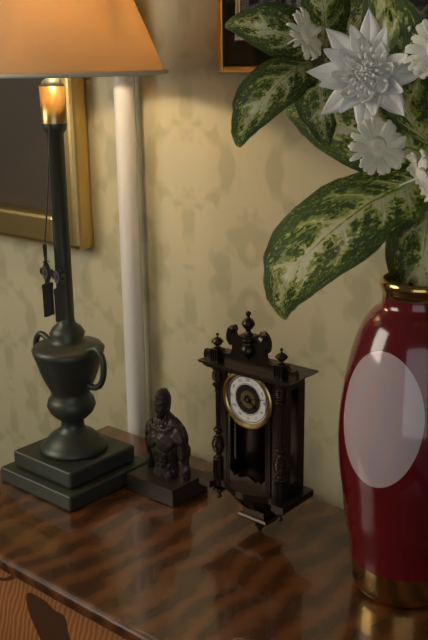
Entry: h=4 m=13
